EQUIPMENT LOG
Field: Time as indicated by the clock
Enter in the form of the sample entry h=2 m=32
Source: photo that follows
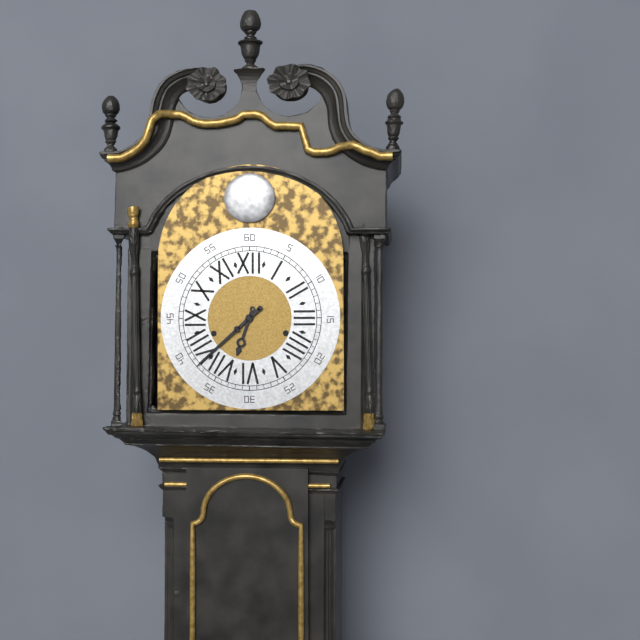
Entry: h=6 m=38
